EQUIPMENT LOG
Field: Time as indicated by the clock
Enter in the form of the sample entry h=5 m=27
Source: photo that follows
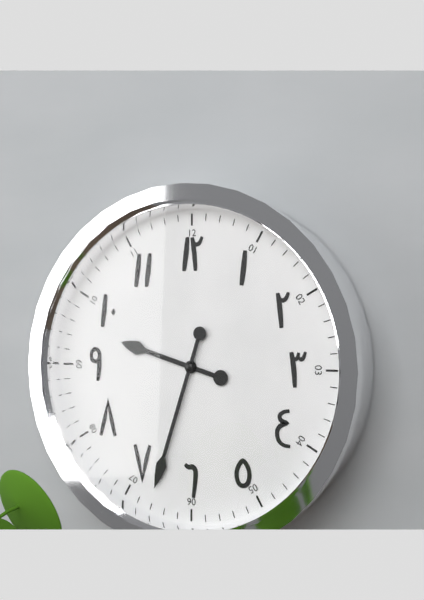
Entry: h=9 m=33
